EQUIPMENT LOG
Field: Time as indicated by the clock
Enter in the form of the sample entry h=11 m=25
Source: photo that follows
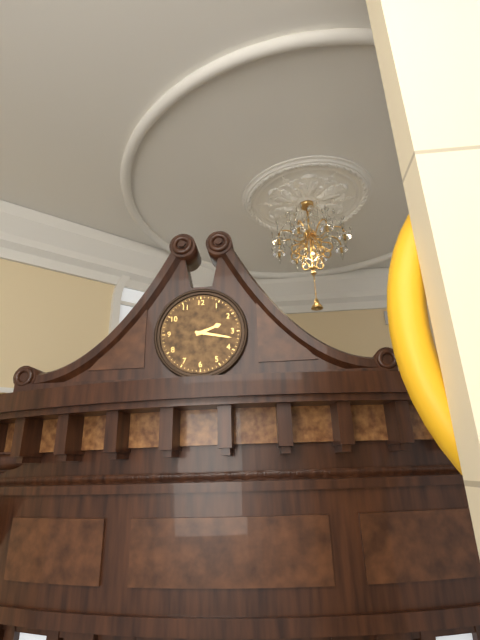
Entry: h=2 m=17
